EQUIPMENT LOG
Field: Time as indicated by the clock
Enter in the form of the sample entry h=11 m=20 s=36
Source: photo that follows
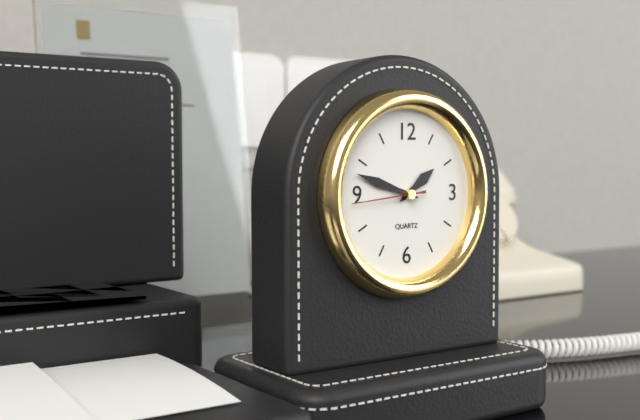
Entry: h=1 m=48 s=44
